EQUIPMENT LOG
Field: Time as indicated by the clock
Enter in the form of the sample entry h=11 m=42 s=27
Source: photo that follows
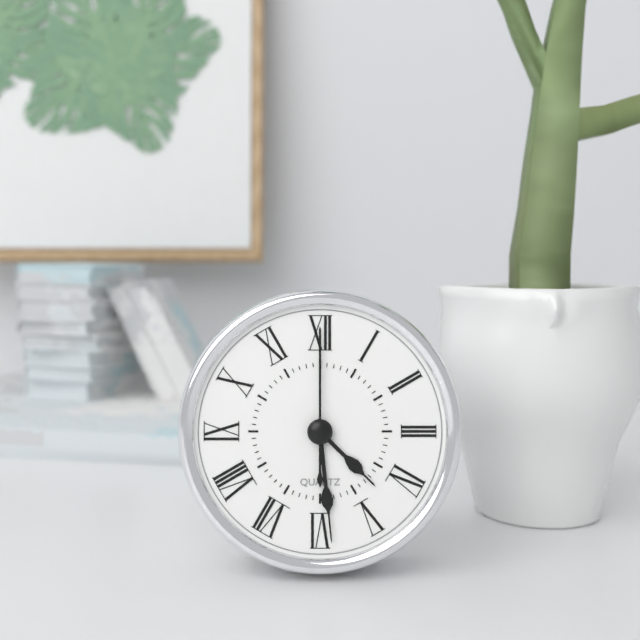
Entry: h=4 m=29 s=0
